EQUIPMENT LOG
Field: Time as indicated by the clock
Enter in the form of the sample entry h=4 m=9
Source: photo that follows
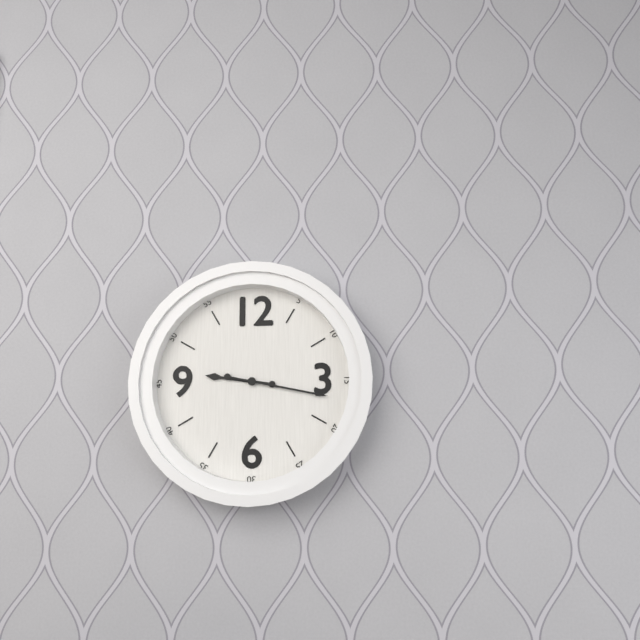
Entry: h=9 m=17
